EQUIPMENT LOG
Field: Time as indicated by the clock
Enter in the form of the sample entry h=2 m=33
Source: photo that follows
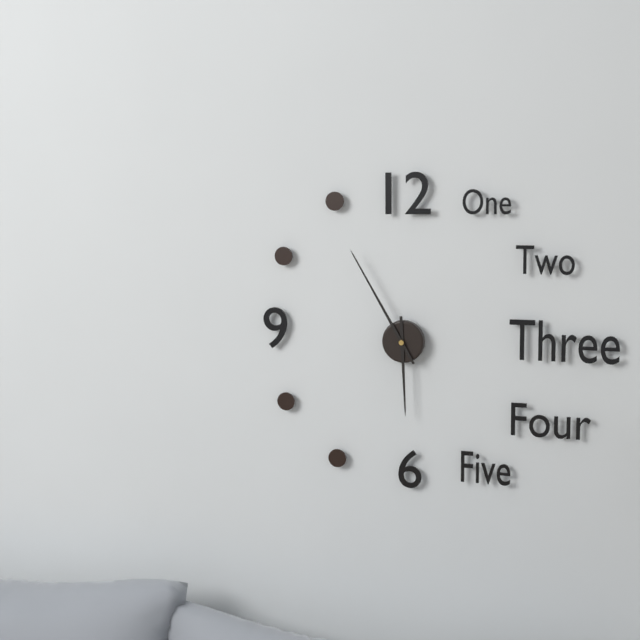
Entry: h=5 m=55
